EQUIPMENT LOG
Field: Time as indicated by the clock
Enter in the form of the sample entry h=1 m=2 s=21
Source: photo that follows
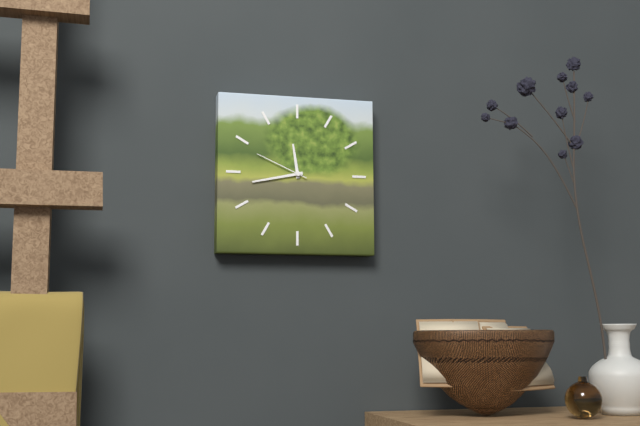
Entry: h=11 m=43 s=49
